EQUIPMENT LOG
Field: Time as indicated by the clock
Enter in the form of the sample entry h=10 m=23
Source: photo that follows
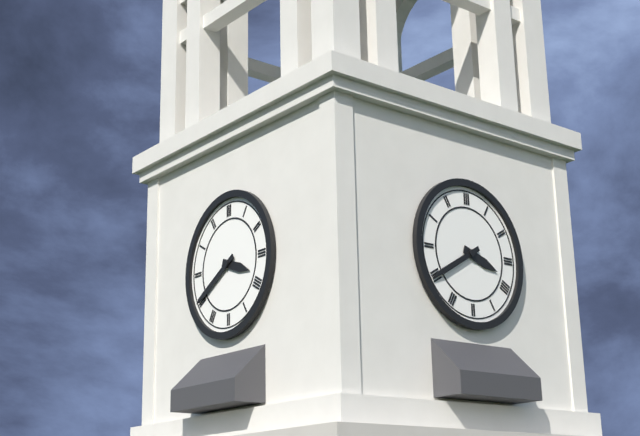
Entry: h=3 m=40
